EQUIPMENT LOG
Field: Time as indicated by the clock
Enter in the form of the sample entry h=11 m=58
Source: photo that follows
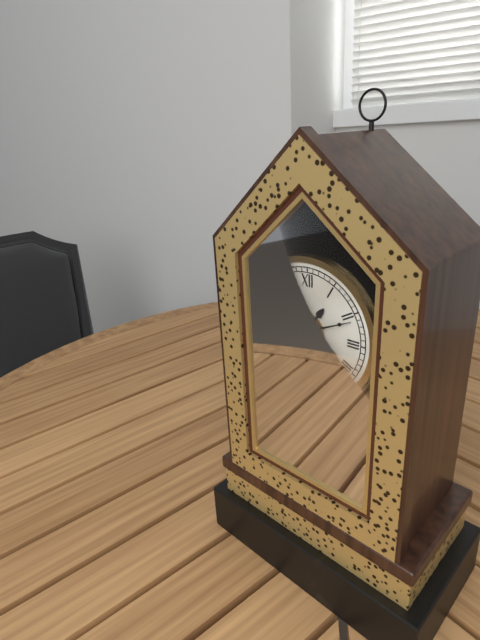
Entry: h=1 m=11
